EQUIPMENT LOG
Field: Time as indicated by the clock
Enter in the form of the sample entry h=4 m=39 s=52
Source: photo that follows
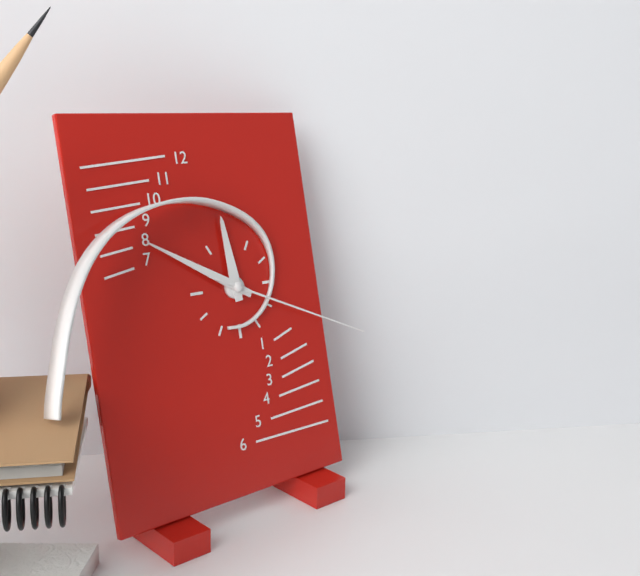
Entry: h=11 m=50 s=19
